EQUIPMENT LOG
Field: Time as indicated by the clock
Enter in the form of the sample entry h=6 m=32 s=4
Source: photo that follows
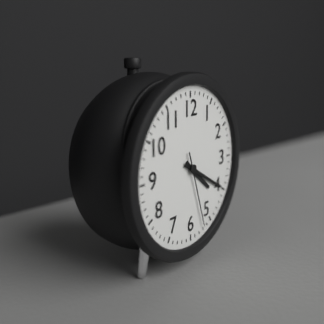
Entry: h=4 m=20 s=27
